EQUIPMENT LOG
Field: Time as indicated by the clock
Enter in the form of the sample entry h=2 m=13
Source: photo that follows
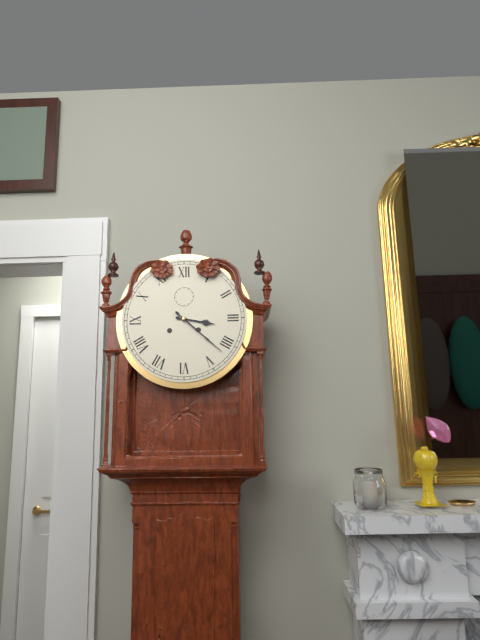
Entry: h=3 m=22
